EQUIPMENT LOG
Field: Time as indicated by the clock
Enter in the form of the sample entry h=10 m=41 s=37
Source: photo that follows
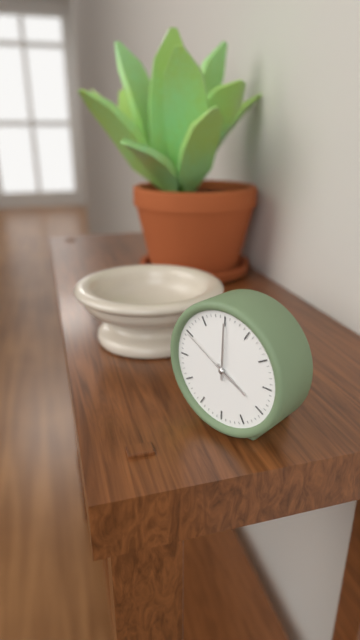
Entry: h=4 m=0 s=50
